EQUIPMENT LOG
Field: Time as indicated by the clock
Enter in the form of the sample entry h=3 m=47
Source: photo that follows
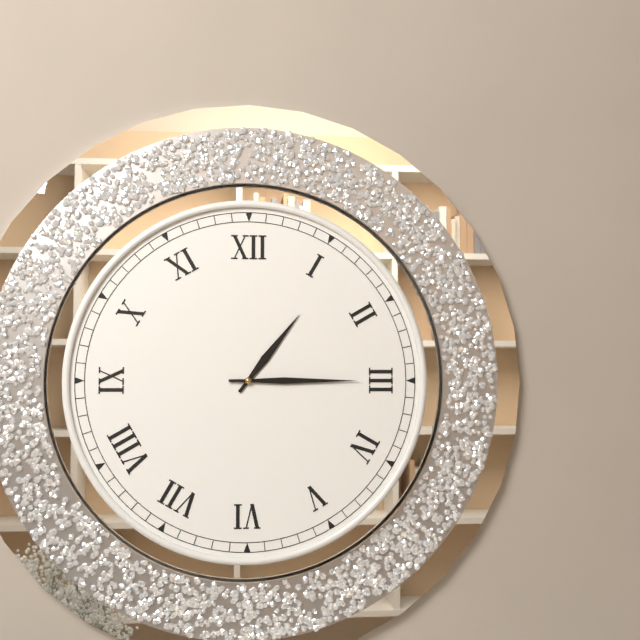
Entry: h=1 m=15
